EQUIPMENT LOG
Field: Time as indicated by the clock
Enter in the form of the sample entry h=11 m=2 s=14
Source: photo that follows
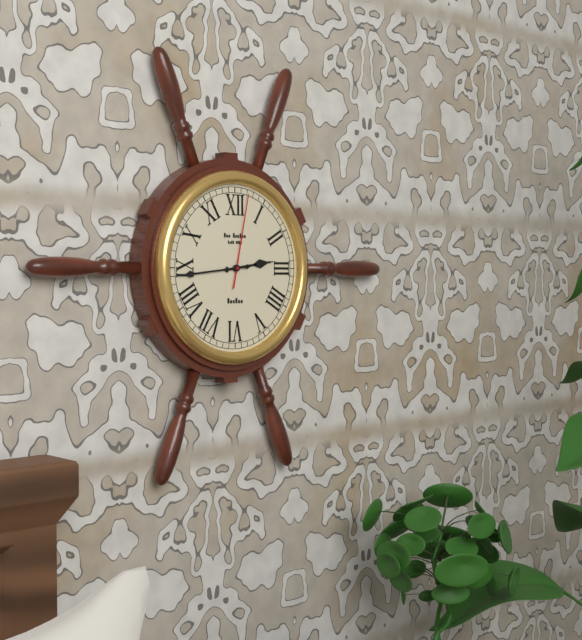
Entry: h=2 m=44 s=2
